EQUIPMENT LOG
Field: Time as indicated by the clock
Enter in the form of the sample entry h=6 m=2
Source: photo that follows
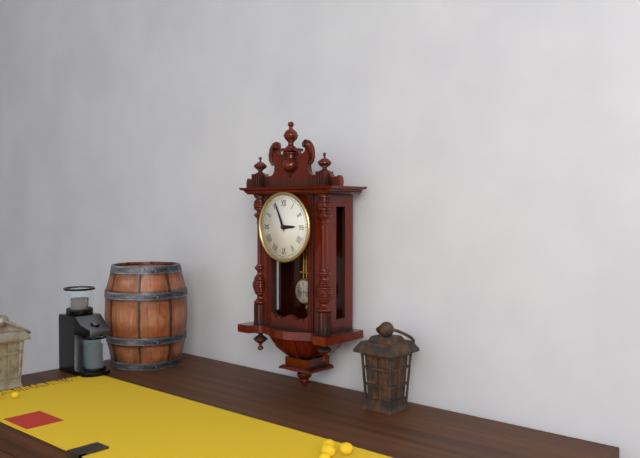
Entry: h=2 m=56
